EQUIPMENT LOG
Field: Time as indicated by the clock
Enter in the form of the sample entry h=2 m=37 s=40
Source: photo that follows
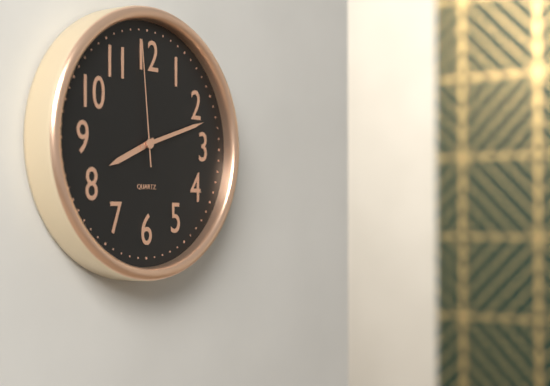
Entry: h=8 m=12 s=59
